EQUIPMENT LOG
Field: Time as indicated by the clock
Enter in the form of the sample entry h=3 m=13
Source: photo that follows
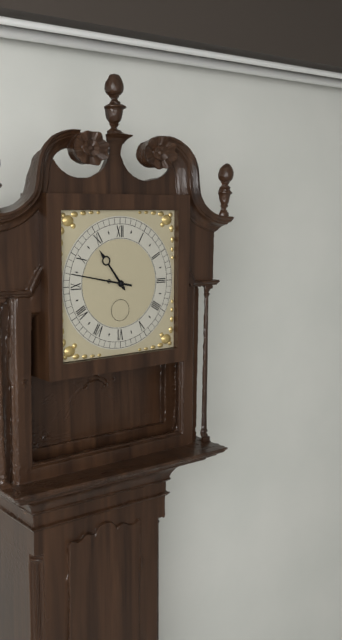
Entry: h=10 m=47
